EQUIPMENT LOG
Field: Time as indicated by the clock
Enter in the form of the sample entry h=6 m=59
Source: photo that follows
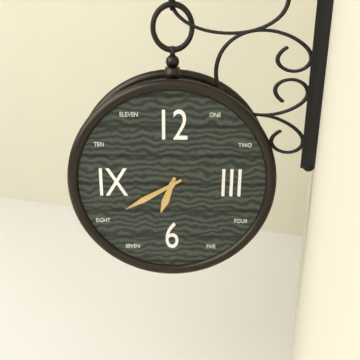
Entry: h=6 m=40
